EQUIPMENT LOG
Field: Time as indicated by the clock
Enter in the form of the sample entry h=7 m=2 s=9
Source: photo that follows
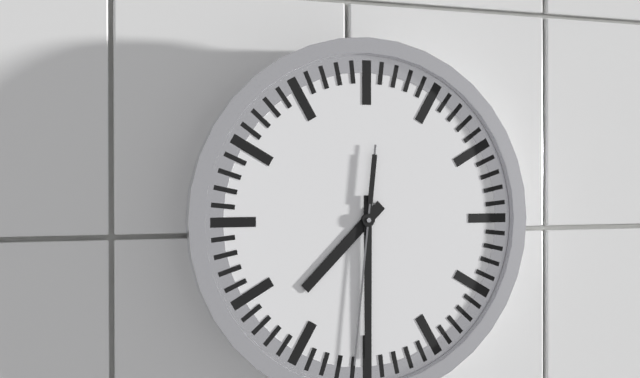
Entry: h=7 m=30 s=31
